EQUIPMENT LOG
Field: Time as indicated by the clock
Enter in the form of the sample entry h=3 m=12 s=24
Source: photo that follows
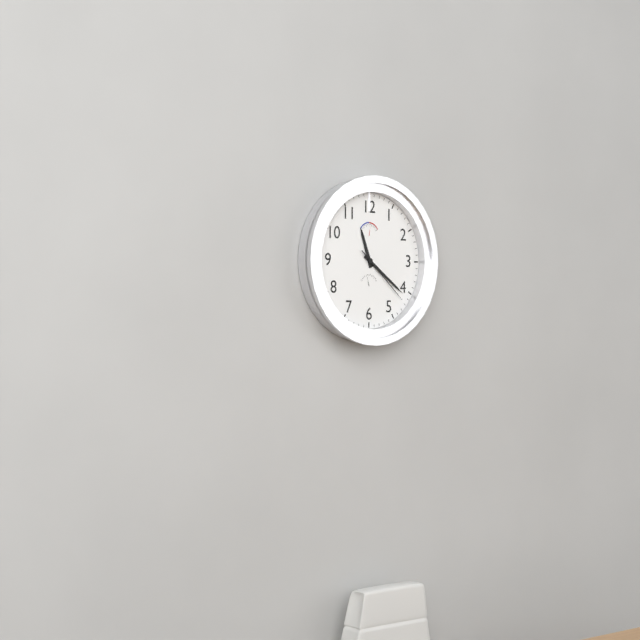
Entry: h=11 m=21 s=22
